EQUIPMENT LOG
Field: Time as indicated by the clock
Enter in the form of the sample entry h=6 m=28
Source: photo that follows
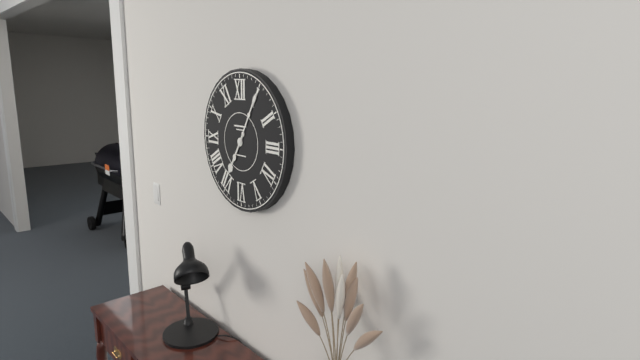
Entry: h=7 m=5
